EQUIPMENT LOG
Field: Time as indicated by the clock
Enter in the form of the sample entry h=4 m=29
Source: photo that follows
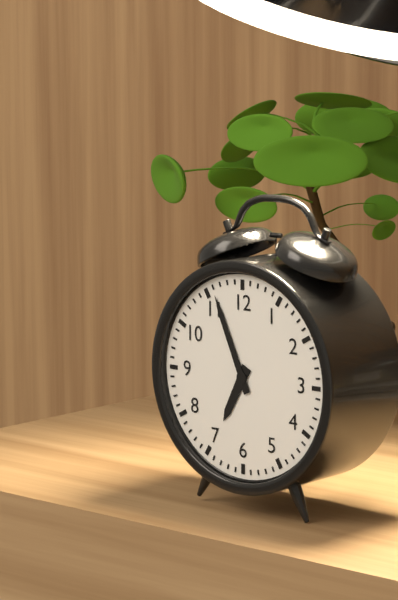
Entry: h=6 m=56
